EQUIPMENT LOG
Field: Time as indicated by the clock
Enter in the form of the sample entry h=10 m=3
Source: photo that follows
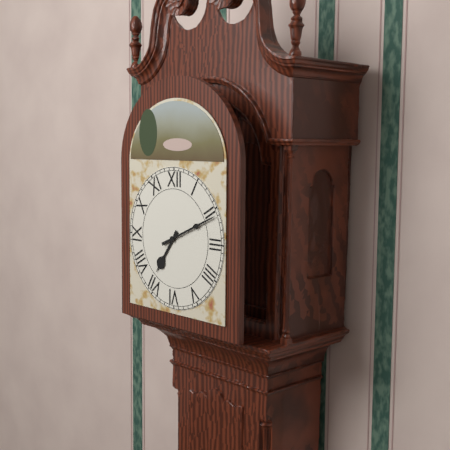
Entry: h=7 m=11
